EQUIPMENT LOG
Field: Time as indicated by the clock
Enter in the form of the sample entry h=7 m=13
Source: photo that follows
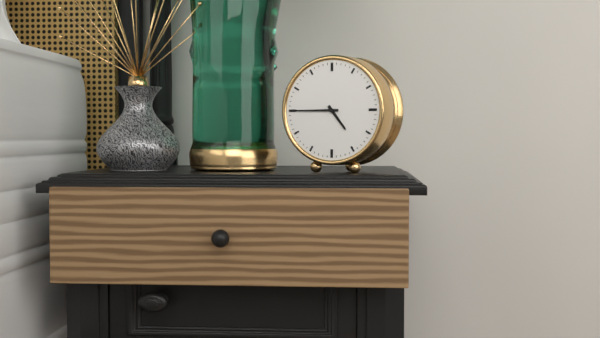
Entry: h=4 m=45
